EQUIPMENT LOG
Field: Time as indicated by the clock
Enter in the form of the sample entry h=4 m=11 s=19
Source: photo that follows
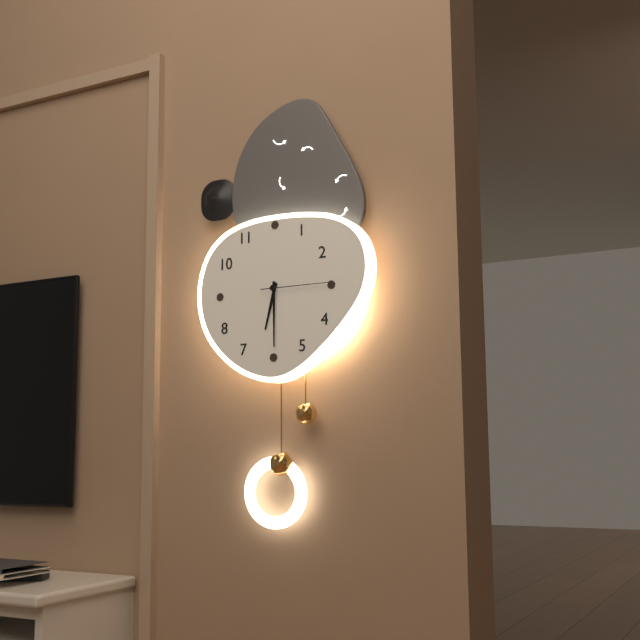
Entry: h=6 m=30 s=15
